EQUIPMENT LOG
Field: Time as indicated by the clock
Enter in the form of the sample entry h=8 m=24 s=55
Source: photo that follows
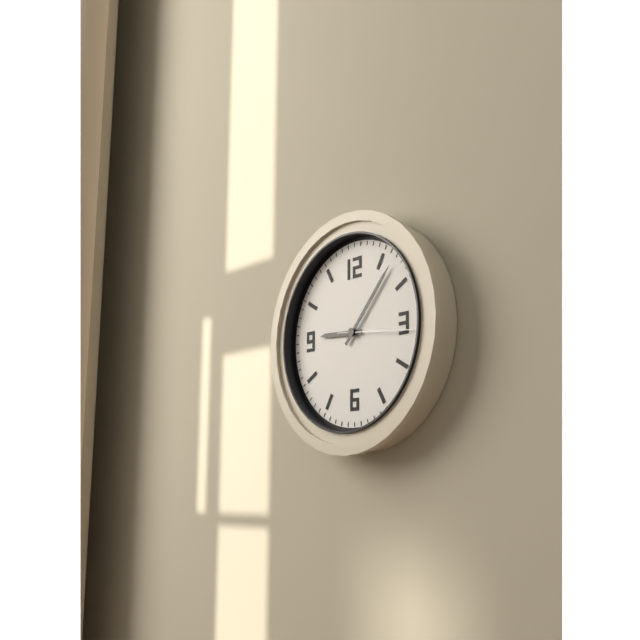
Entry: h=9 m=7 s=16
